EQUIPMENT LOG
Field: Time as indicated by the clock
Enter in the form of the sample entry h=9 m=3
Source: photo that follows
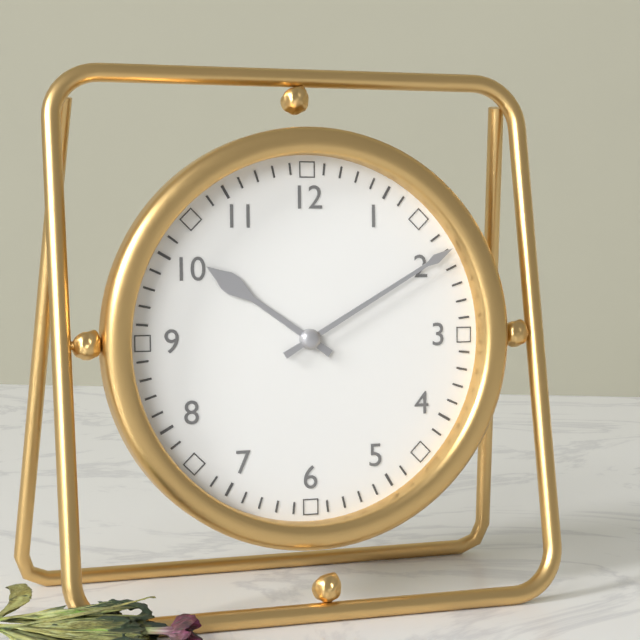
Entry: h=10 m=10
